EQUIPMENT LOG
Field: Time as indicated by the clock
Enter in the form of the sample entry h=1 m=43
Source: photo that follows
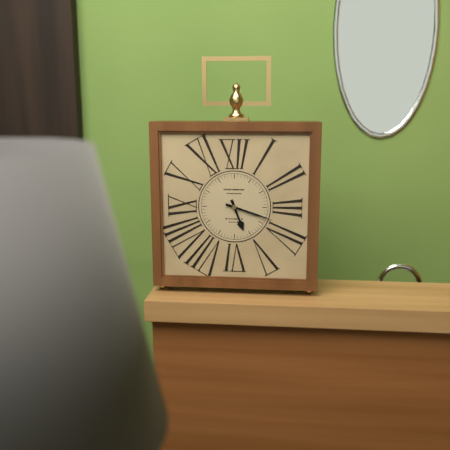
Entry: h=5 m=18
